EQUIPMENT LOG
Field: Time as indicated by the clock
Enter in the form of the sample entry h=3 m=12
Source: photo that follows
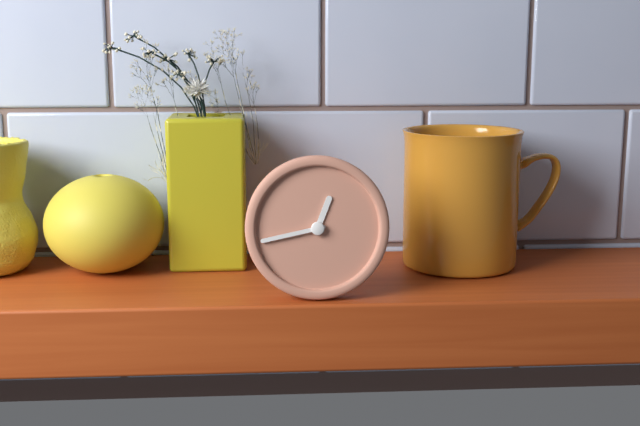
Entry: h=12 m=43
